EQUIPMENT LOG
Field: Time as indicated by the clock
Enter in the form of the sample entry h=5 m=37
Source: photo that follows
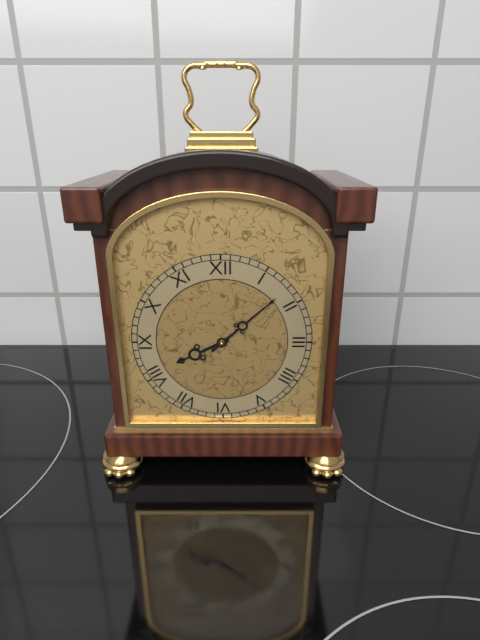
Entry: h=8 m=8
